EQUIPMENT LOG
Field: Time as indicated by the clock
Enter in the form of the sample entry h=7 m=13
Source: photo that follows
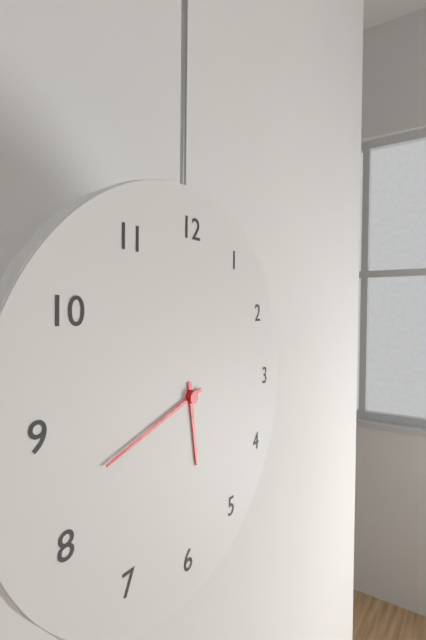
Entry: h=5 m=42
